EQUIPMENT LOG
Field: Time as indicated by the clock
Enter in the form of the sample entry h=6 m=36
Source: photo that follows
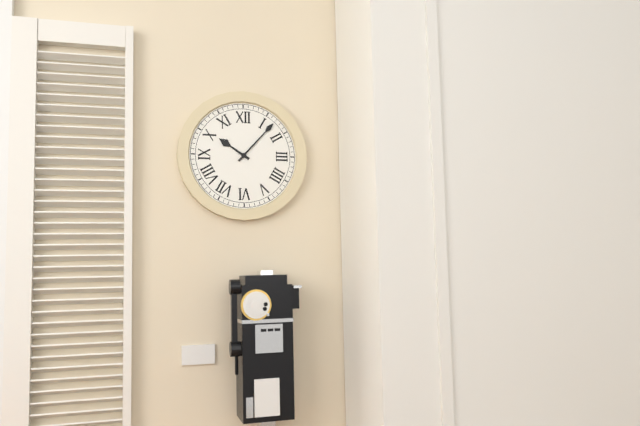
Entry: h=10 m=7
